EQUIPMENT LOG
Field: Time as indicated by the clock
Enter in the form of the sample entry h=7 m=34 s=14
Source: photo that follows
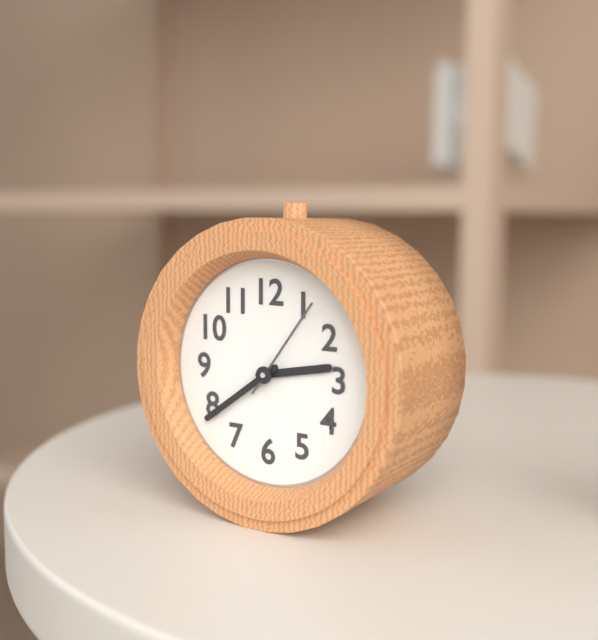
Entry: h=2 m=39 s=6
